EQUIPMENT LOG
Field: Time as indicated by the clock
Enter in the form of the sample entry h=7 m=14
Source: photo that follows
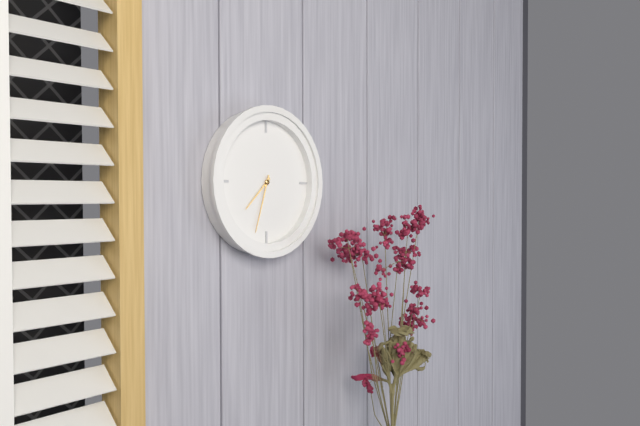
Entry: h=7 m=33
